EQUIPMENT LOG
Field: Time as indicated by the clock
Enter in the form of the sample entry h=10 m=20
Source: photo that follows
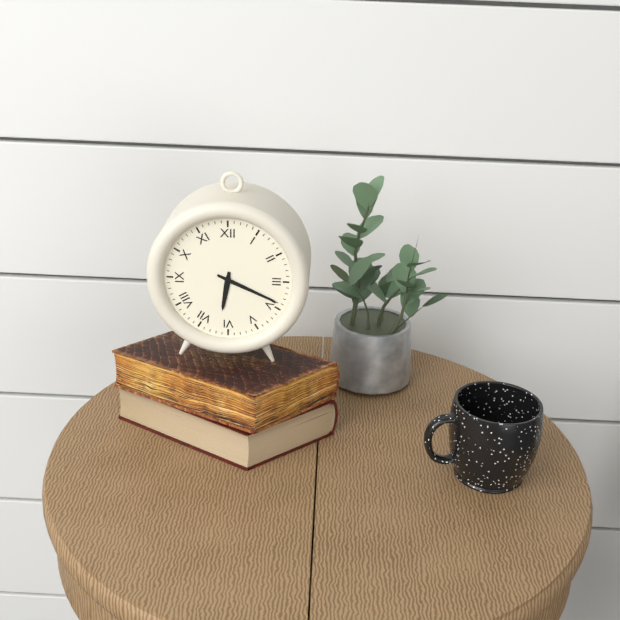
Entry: h=6 m=19
